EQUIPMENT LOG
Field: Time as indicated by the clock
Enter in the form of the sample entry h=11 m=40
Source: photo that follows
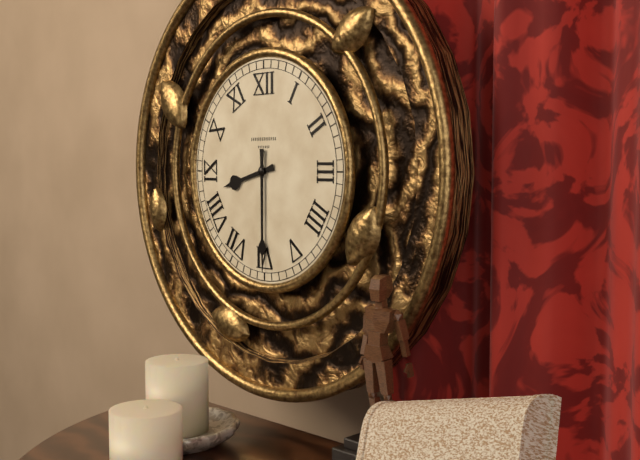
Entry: h=8 m=30
